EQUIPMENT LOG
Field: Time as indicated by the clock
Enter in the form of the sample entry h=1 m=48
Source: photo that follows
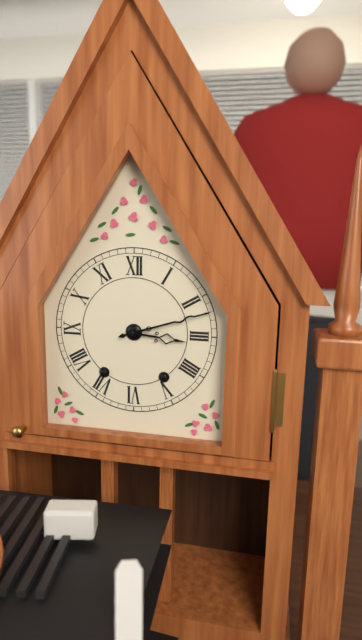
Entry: h=3 m=12
